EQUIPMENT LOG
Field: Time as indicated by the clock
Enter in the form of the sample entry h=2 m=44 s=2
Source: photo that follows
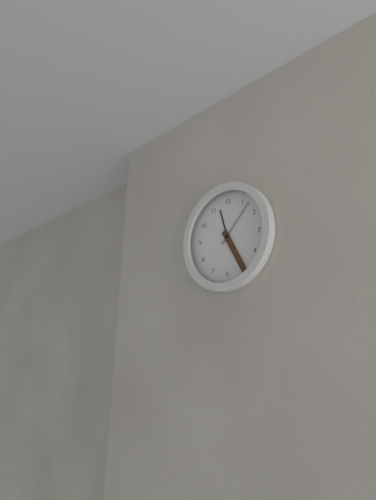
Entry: h=11 m=25 s=7
